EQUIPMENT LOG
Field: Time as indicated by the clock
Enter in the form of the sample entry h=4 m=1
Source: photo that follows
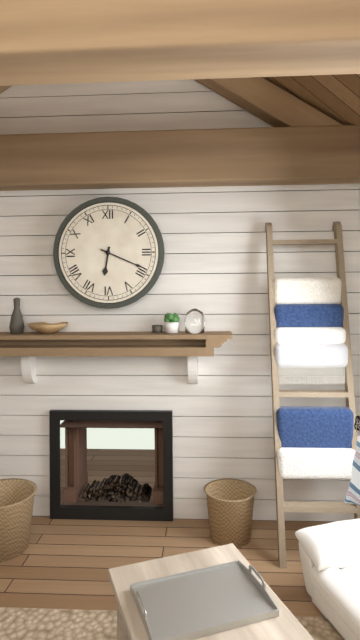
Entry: h=6 m=19
